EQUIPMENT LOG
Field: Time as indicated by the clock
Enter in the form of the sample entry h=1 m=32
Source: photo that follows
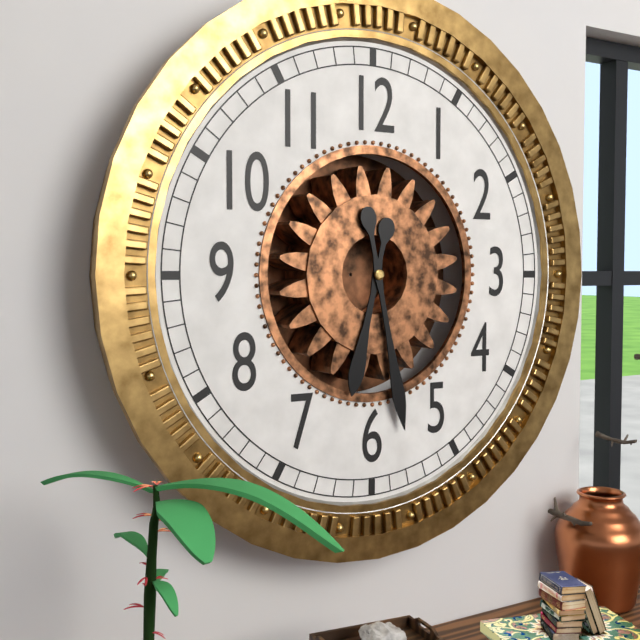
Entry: h=6 m=28
